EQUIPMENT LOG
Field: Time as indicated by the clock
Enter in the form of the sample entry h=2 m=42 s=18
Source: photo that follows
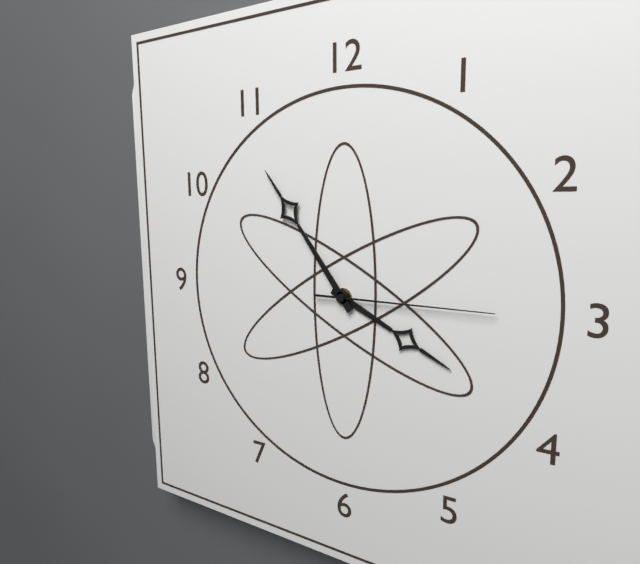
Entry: h=3 m=54 s=15
